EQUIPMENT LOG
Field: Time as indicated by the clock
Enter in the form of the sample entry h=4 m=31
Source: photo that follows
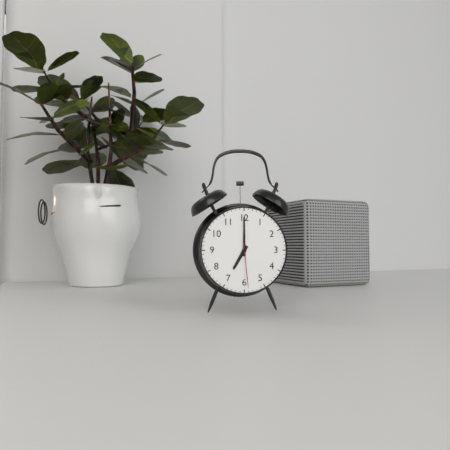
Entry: h=7 m=0
